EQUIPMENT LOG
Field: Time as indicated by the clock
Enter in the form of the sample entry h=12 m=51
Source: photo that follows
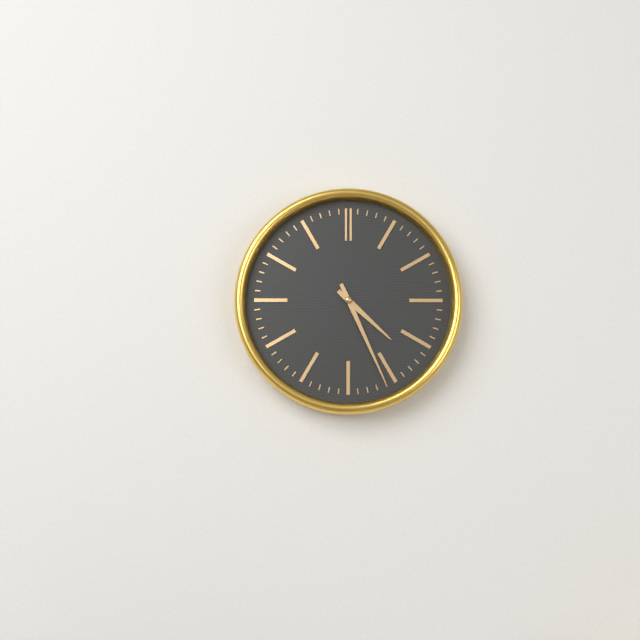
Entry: h=4 m=26
